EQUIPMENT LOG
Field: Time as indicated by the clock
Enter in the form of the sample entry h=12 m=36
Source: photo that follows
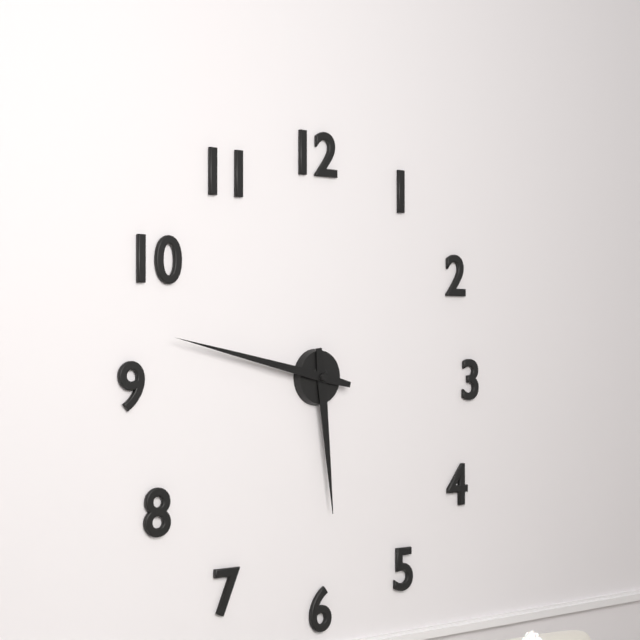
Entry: h=5 m=47
